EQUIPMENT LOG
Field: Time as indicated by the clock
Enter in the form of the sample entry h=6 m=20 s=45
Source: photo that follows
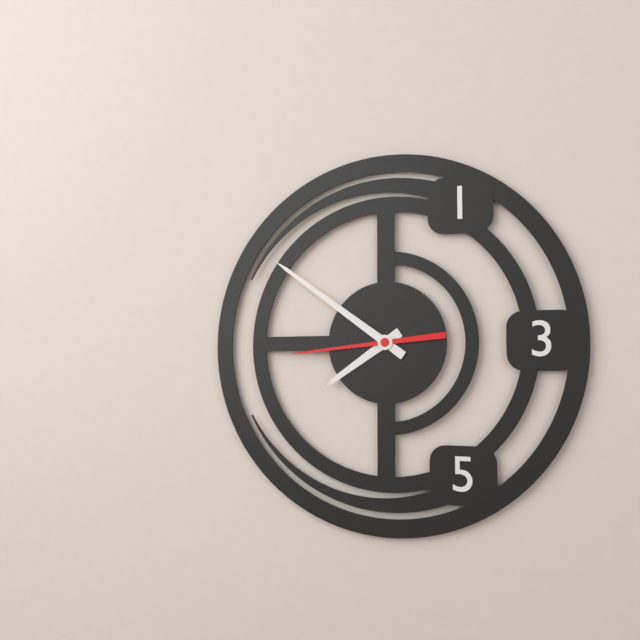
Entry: h=7 m=51 s=44
